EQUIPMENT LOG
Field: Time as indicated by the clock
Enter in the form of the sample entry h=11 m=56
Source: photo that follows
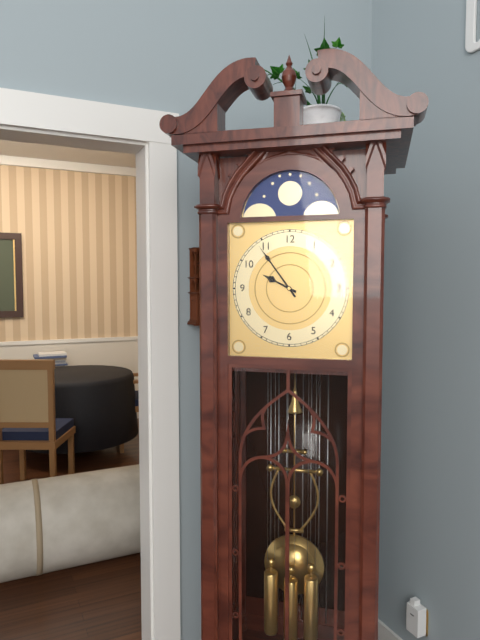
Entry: h=9 m=54
